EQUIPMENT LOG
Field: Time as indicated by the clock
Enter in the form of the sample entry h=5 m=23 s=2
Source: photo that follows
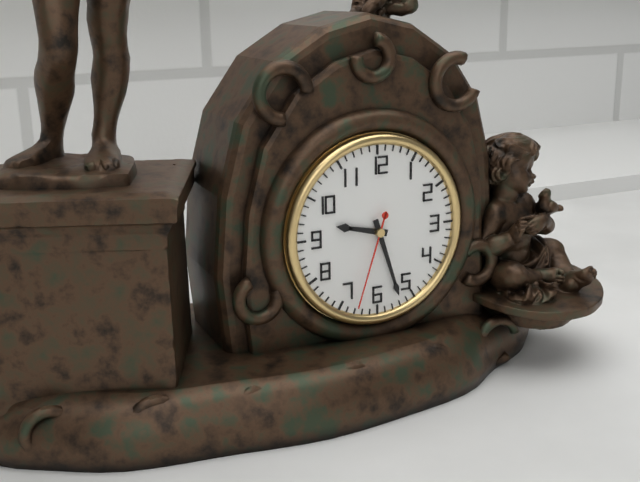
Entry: h=9 m=27 s=33
